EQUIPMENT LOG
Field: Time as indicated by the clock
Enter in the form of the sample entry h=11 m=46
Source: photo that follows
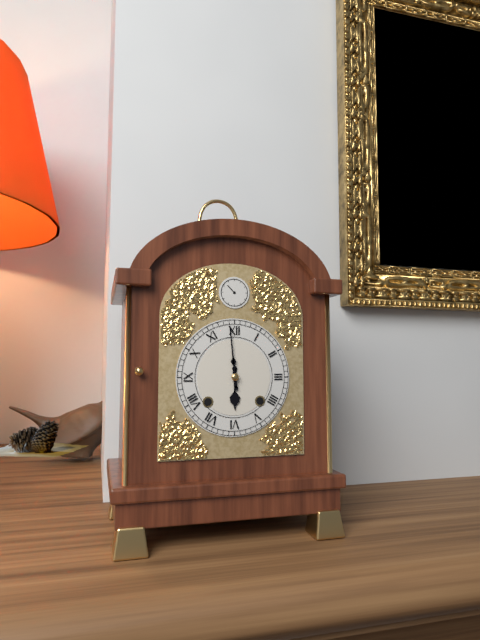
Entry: h=5 m=59
